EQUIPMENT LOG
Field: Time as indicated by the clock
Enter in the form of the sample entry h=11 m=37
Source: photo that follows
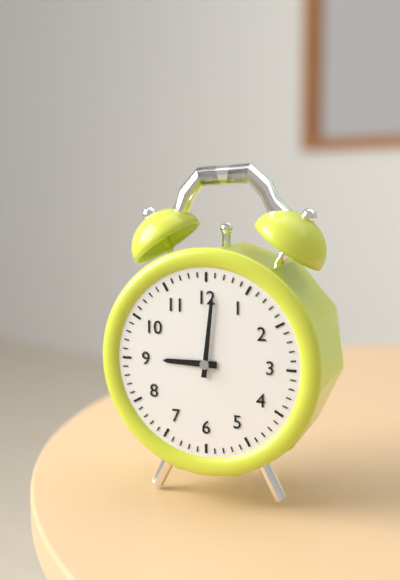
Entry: h=9 m=1
